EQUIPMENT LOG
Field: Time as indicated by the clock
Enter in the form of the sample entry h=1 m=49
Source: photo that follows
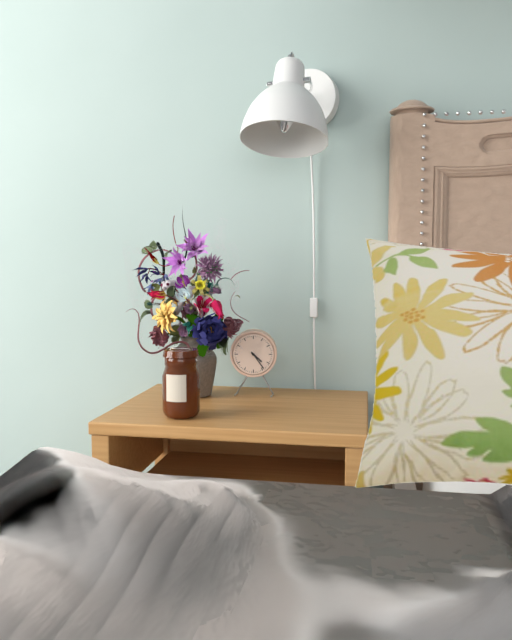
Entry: h=4 m=24
